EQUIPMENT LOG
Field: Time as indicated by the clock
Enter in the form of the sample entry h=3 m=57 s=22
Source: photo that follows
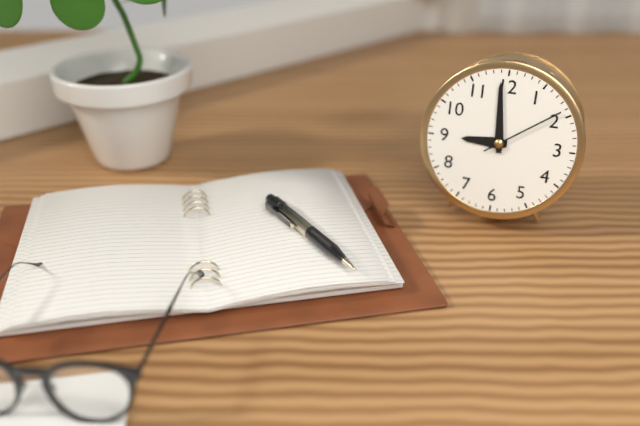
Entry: h=8 m=59 s=9
